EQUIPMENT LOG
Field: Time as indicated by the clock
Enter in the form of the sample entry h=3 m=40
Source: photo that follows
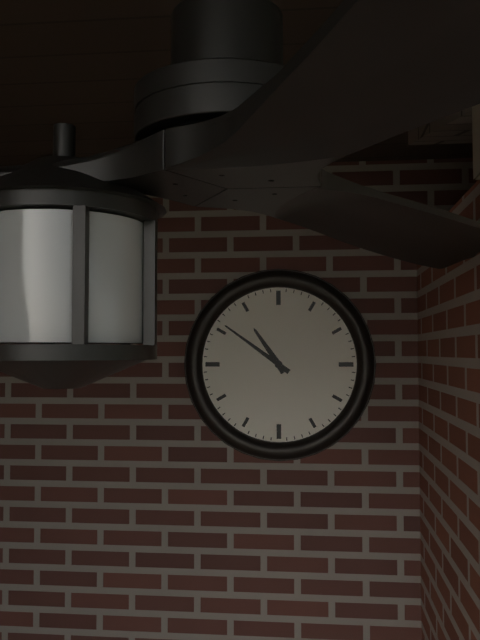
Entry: h=10 m=51
